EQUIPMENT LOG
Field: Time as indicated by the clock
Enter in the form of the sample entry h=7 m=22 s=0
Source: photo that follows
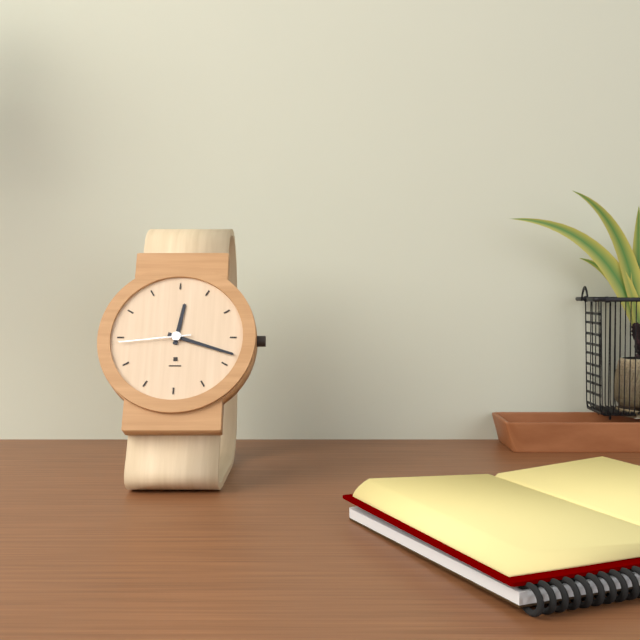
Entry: h=12 m=18 s=44
